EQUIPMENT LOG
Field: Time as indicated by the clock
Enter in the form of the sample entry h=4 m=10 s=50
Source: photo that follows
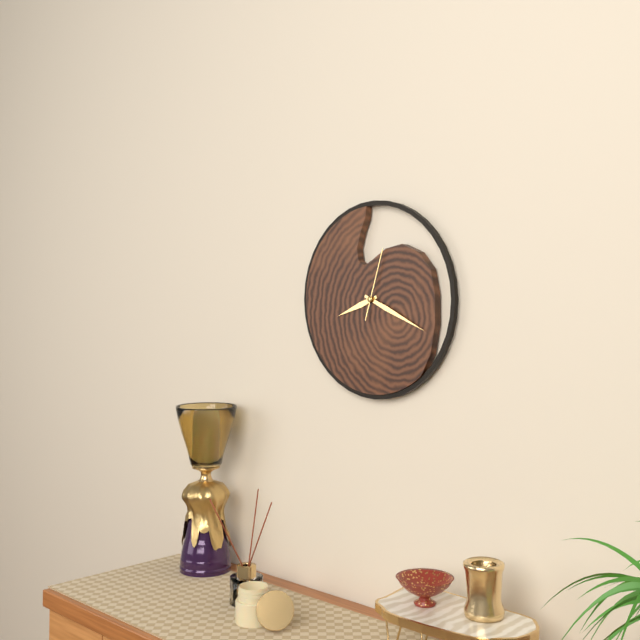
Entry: h=8 m=19 s=3
